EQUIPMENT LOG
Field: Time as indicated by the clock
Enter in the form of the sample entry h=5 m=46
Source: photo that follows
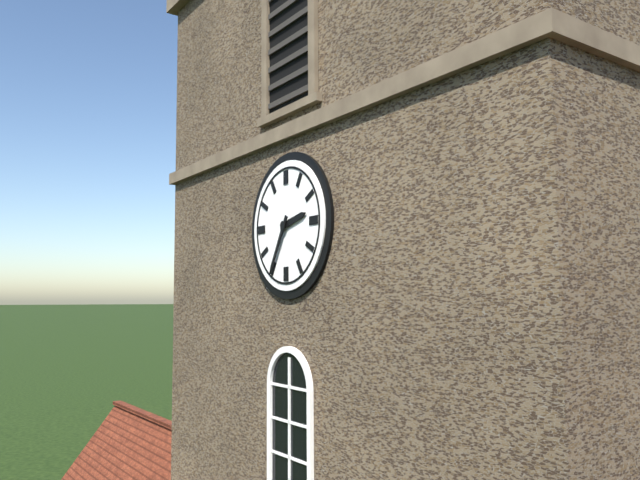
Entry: h=2 m=35
